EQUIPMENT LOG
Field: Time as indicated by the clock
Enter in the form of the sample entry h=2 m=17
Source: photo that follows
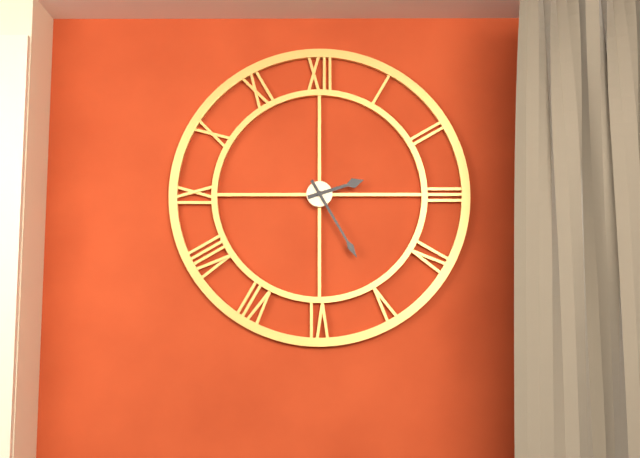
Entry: h=2 m=25
